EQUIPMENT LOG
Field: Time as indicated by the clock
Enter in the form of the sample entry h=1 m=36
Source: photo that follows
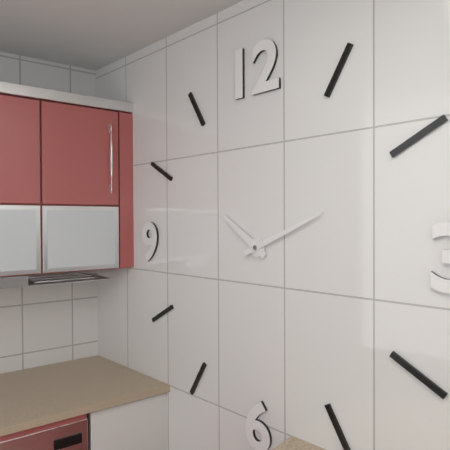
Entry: h=10 m=11
